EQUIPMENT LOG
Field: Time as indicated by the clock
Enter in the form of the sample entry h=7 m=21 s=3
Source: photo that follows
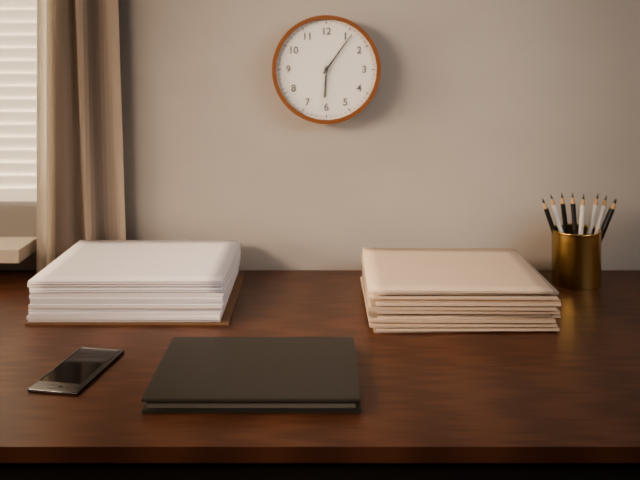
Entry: h=6 m=6 s=32
